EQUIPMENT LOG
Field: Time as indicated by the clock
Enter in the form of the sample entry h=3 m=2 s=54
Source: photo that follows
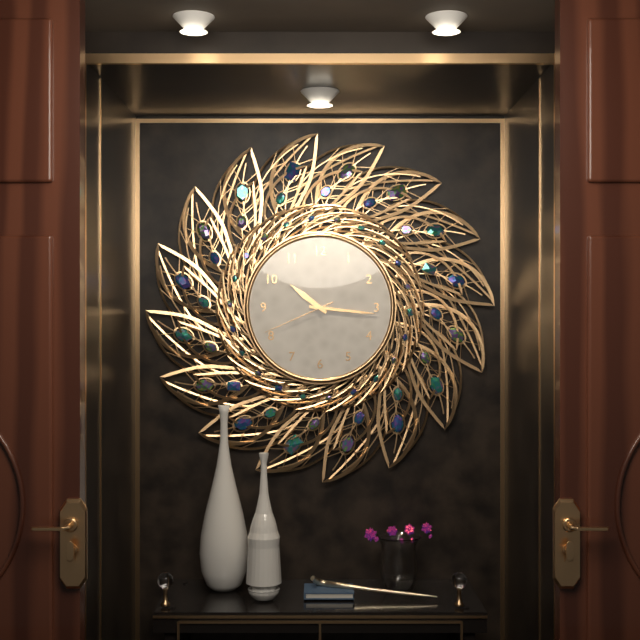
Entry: h=10 m=16 s=41
